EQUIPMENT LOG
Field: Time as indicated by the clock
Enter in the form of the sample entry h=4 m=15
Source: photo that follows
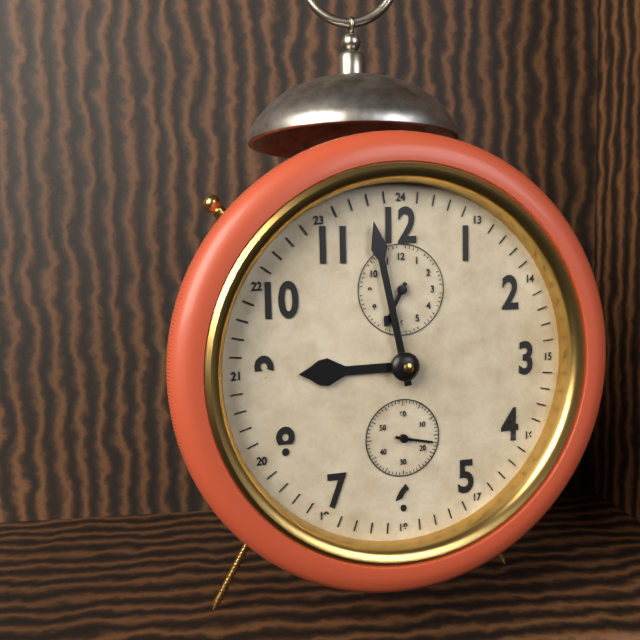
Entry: h=8 m=58
